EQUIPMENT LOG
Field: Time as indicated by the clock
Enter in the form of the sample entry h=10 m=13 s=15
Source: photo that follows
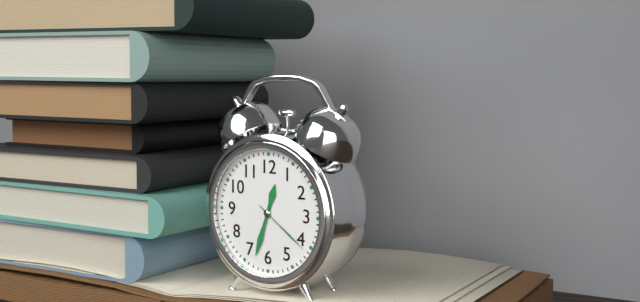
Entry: h=12 m=33 s=21
